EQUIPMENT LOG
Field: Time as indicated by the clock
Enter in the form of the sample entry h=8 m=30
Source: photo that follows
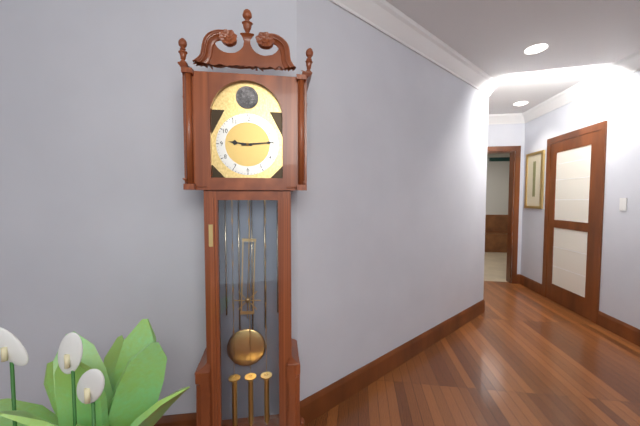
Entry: h=9 m=14
